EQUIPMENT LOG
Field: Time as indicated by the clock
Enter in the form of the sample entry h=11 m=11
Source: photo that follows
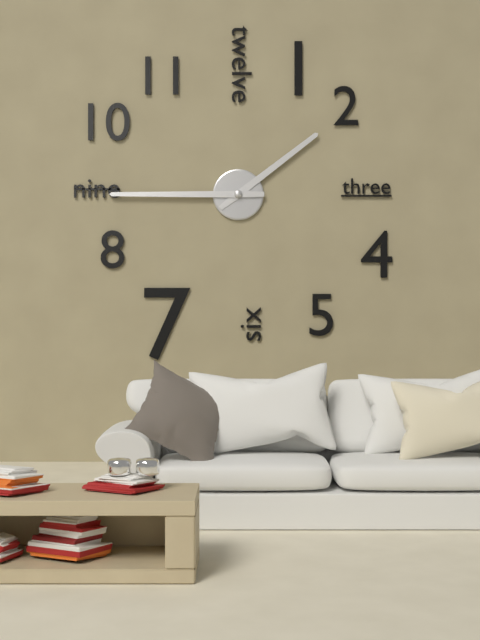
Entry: h=1 m=45
